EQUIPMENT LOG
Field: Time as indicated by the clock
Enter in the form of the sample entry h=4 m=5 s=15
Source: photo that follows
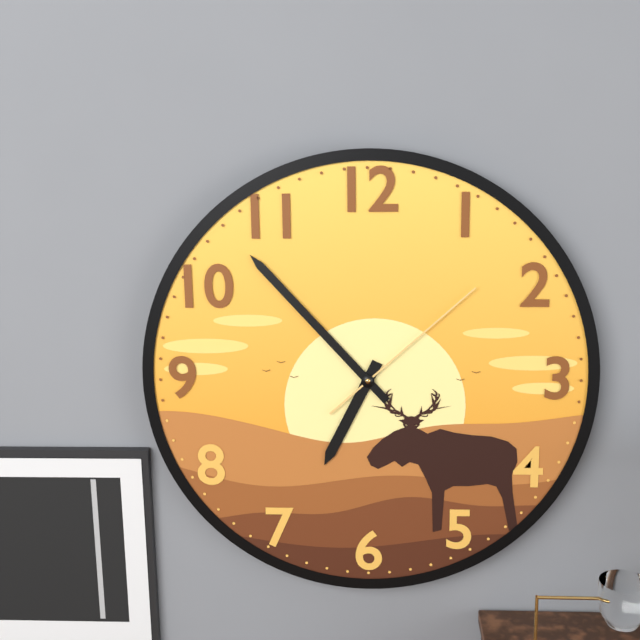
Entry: h=6 m=53 s=8
